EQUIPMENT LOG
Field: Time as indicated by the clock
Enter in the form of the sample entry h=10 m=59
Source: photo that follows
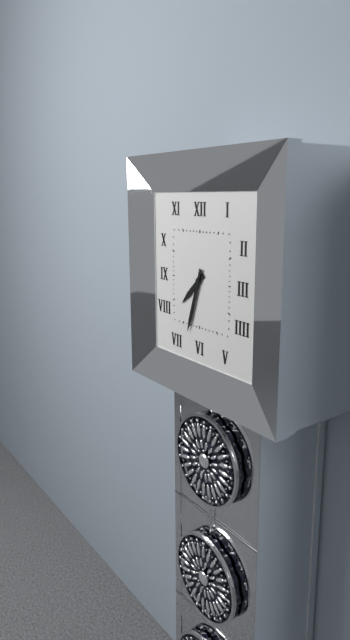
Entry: h=7 m=33
